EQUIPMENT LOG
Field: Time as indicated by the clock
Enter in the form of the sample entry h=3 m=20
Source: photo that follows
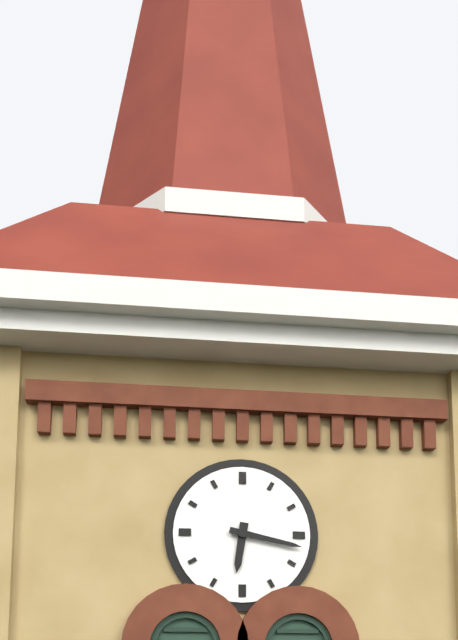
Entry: h=6 m=17
